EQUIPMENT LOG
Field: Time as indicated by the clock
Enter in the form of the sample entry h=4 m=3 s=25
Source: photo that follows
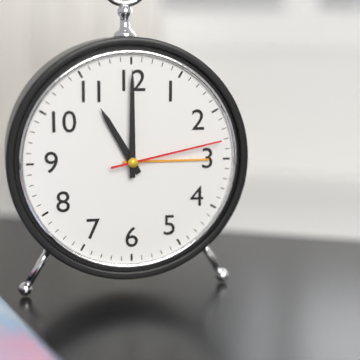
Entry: h=11 m=0 s=13
